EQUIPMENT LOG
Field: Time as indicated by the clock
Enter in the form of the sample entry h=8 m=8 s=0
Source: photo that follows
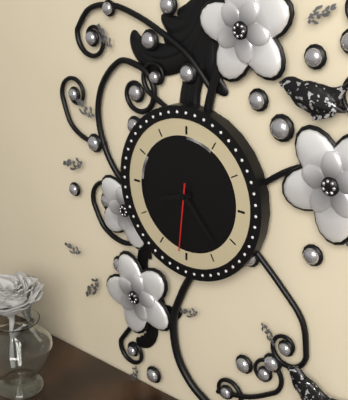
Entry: h=8 m=23 s=31
